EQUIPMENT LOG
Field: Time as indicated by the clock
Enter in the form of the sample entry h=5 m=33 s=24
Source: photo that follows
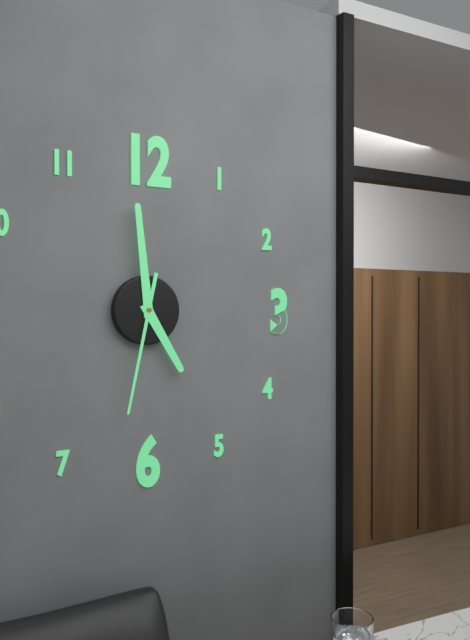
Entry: h=4 m=59 s=32
